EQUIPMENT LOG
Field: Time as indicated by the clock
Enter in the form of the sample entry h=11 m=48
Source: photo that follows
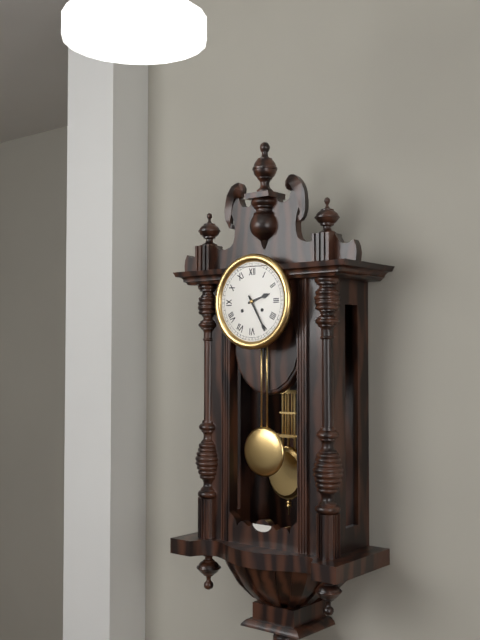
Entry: h=2 m=25
